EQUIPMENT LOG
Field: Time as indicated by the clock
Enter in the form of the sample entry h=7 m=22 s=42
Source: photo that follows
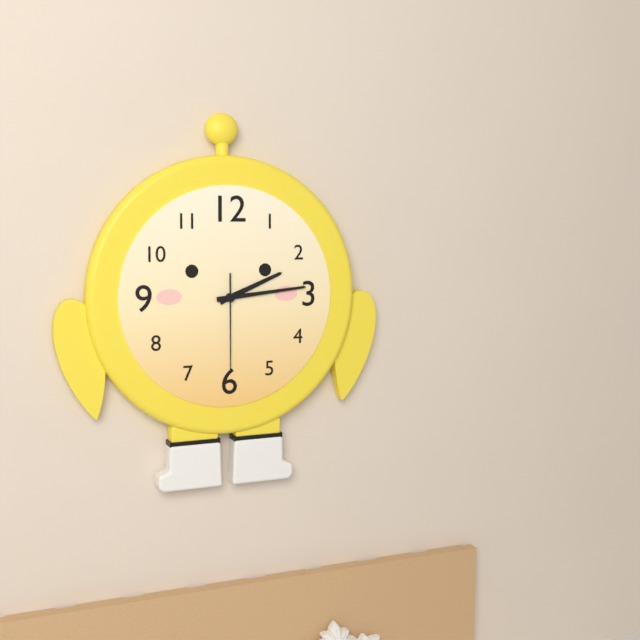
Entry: h=2 m=14 s=30
